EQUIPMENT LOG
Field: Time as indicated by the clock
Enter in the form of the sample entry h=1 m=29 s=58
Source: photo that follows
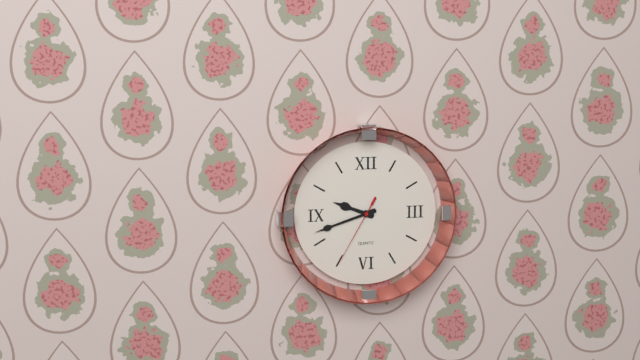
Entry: h=9 m=42 s=35
